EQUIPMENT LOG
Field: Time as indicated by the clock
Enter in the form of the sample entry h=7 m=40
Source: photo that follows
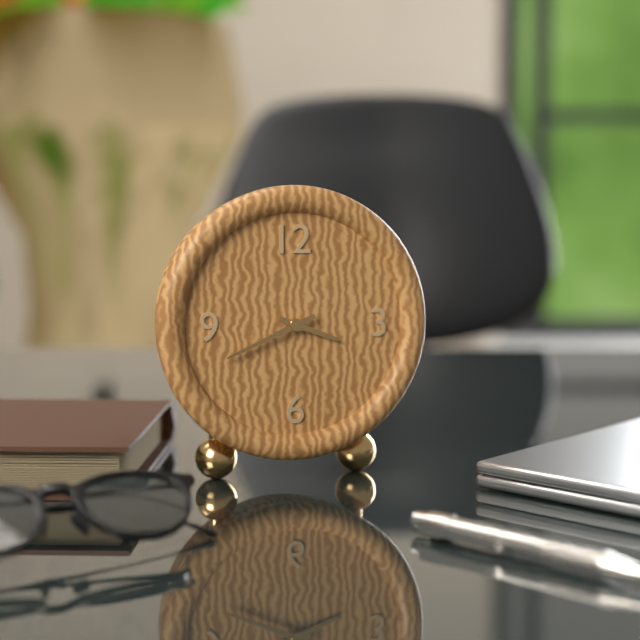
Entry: h=3 m=41
